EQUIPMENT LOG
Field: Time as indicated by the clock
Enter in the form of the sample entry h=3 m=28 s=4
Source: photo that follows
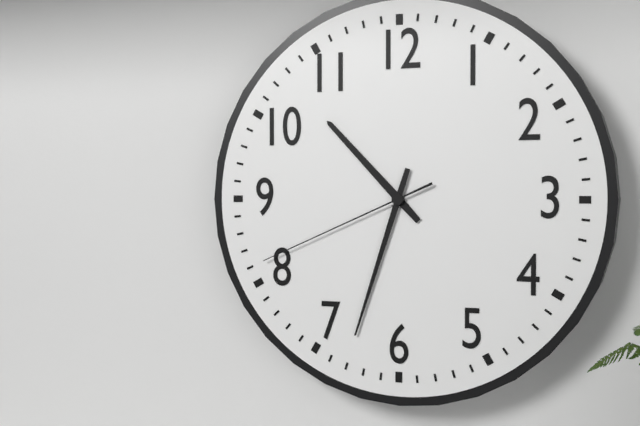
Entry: h=10 m=33 s=41
